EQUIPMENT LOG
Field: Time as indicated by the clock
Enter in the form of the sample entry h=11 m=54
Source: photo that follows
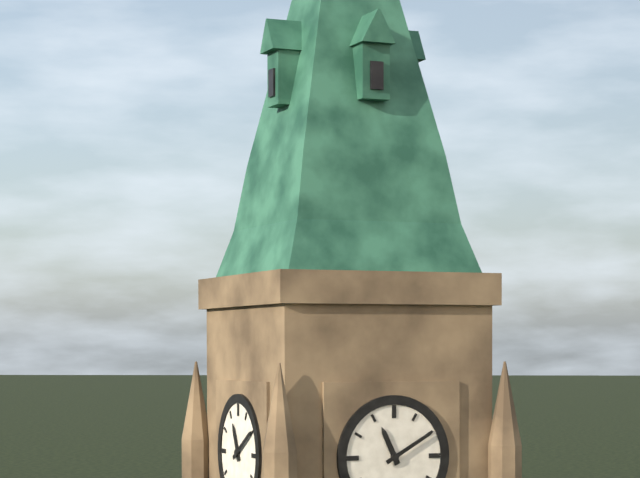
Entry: h=11 m=10
